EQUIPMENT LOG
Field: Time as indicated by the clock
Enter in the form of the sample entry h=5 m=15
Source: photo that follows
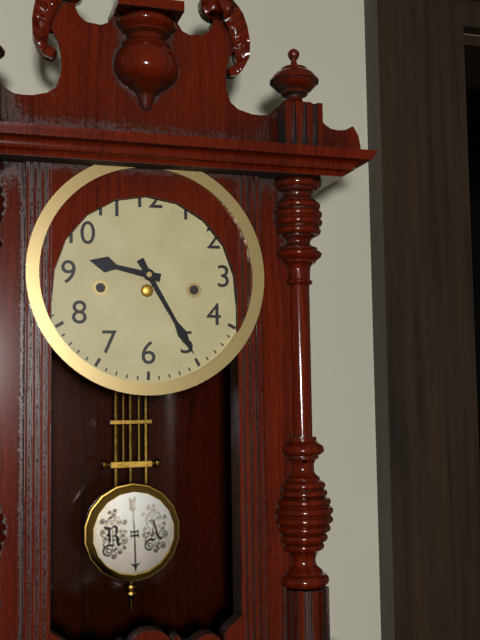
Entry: h=9 m=25
